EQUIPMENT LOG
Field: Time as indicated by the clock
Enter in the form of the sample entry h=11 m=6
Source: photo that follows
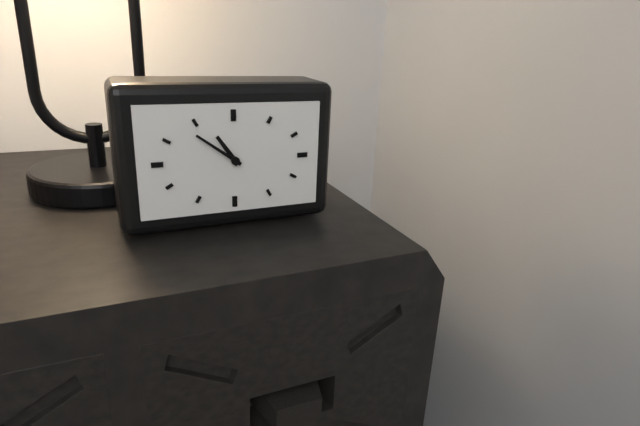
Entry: h=10 m=51
